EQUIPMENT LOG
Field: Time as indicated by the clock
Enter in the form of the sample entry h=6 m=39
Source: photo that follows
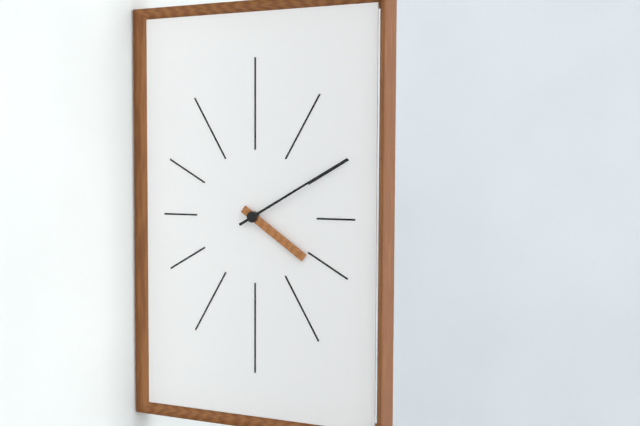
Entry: h=4 m=10
